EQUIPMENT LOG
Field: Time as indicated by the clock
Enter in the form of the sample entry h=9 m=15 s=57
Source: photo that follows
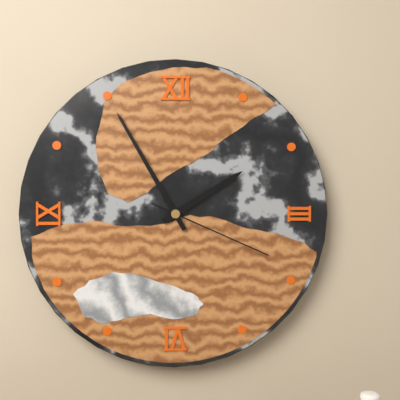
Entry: h=1 m=55 s=19
